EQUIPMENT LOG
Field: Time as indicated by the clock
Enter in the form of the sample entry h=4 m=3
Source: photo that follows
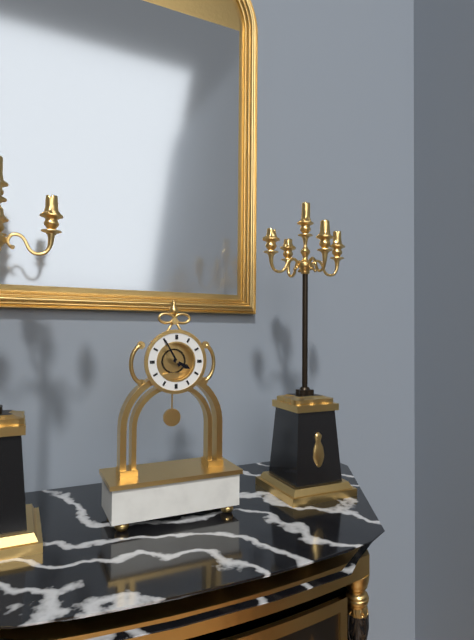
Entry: h=3 m=55
